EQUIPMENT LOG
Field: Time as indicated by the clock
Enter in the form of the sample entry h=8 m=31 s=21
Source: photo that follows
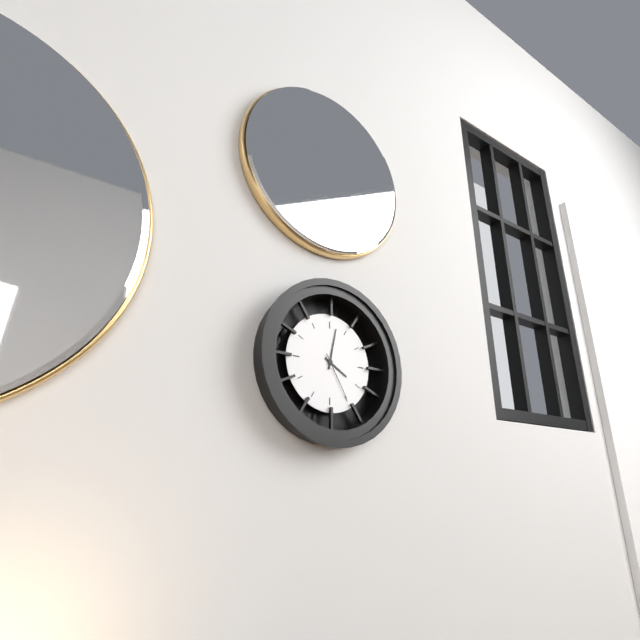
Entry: h=4 m=2 s=25
